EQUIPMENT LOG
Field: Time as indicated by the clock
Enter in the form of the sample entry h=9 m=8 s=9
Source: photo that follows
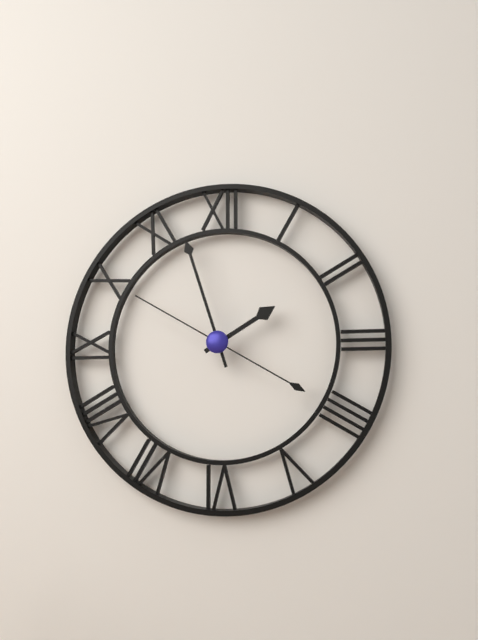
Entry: h=1 m=57 s=50
